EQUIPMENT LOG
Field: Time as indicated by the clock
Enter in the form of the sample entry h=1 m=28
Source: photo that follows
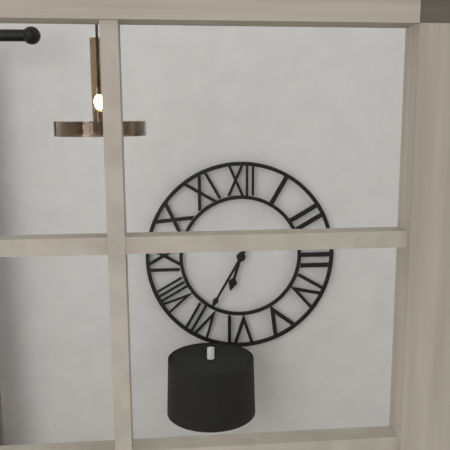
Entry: h=6 m=35
